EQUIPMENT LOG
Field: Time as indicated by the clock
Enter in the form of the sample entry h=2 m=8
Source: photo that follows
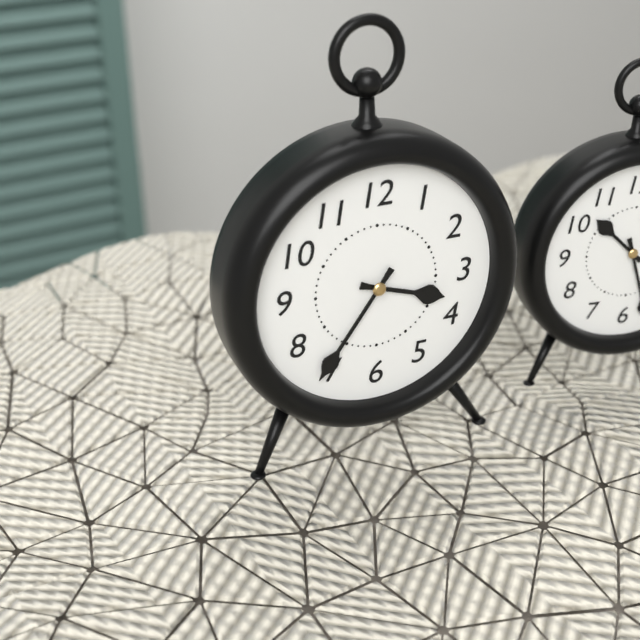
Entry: h=3 m=36
